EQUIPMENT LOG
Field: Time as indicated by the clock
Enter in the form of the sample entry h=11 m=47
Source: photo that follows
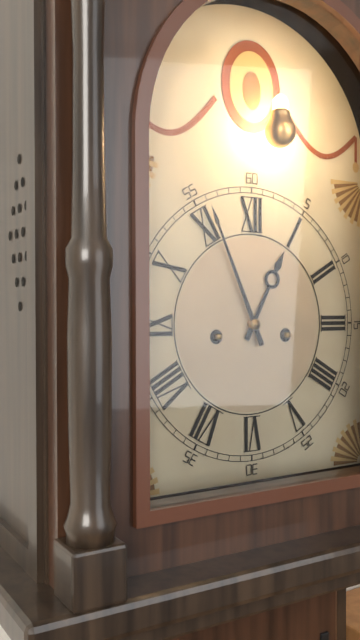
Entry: h=12 m=56
